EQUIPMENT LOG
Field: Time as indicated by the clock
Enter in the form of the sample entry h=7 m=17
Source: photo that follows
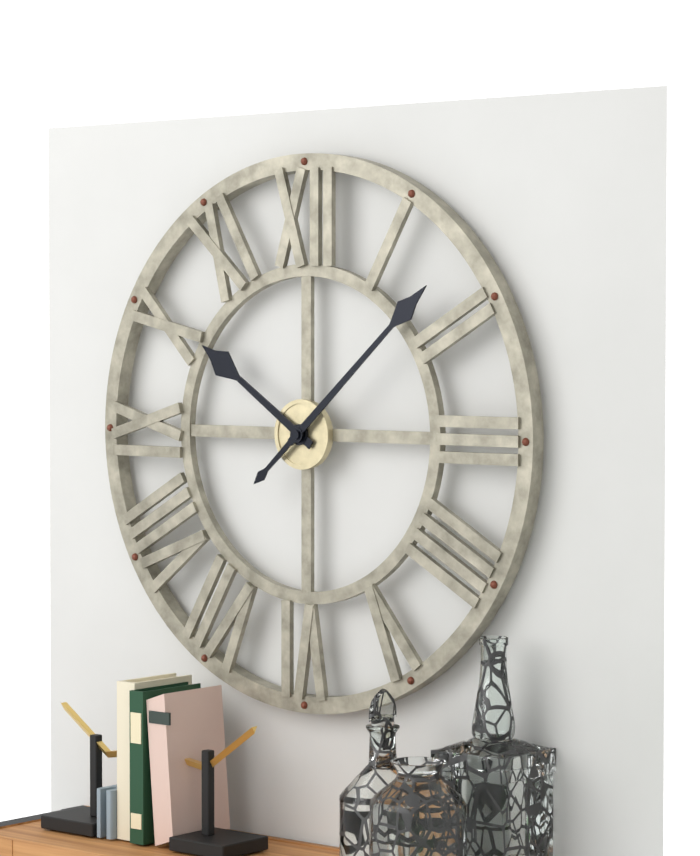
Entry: h=10 m=8
